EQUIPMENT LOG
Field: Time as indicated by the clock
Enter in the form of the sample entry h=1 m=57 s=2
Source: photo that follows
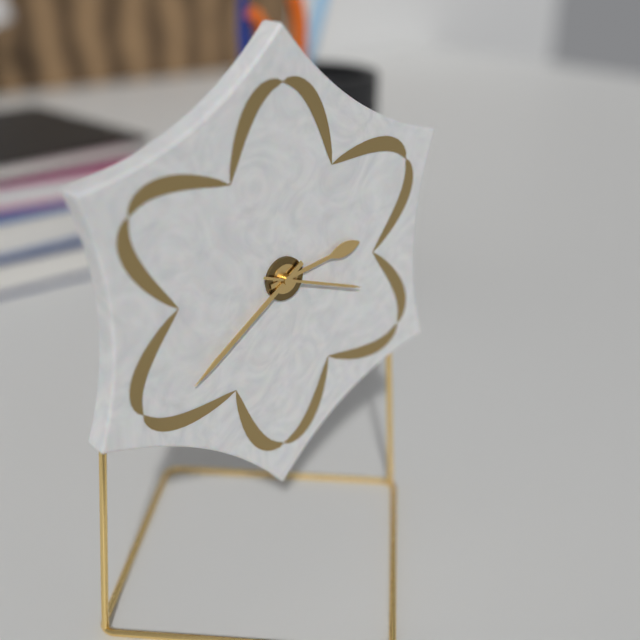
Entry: h=2 m=39 s=18
